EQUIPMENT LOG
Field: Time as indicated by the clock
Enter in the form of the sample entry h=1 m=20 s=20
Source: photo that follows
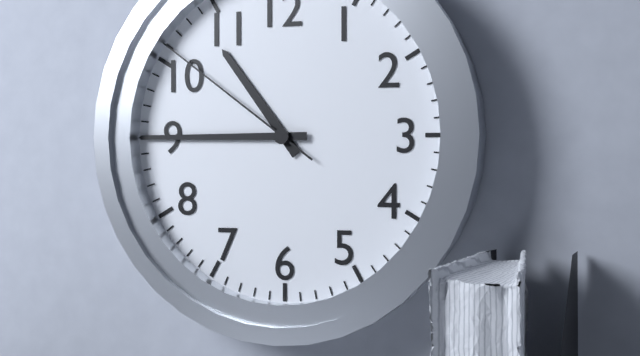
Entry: h=10 m=45 s=51
